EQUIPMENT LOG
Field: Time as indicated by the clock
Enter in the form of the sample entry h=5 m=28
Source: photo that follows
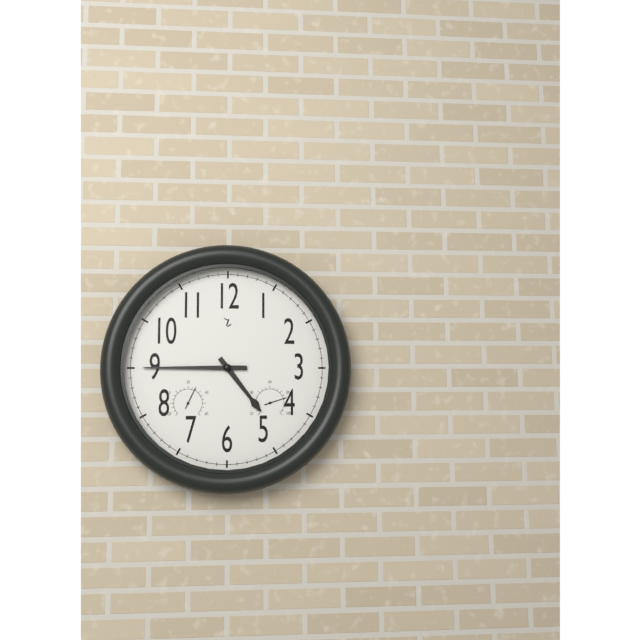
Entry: h=4 m=45
